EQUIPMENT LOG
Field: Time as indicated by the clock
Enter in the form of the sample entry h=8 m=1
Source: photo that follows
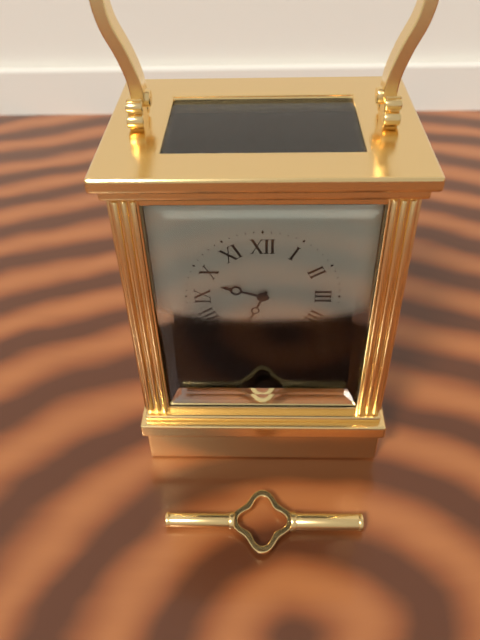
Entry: h=9 m=34
